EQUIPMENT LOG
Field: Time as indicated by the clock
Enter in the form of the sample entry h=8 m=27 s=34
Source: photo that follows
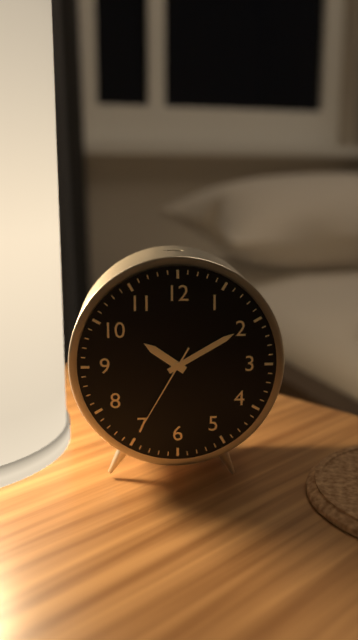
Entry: h=10 m=10 s=35
